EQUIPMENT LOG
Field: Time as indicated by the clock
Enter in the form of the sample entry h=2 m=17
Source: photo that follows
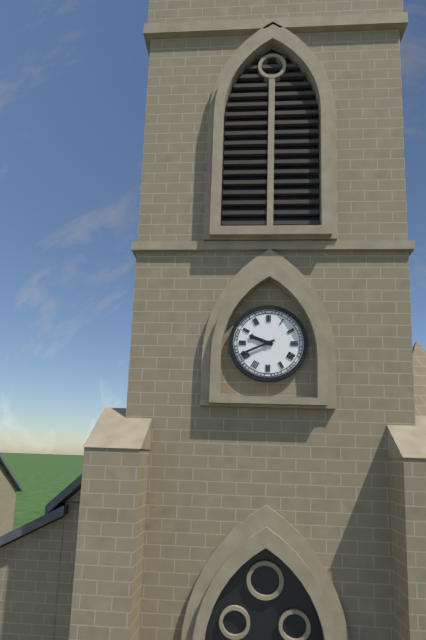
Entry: h=9 m=41
